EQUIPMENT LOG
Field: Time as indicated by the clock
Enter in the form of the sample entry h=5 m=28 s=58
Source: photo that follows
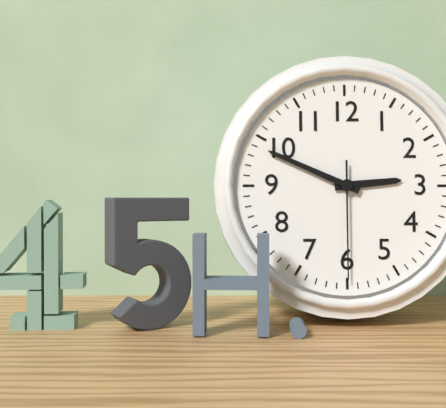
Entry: h=2 m=49 s=30
